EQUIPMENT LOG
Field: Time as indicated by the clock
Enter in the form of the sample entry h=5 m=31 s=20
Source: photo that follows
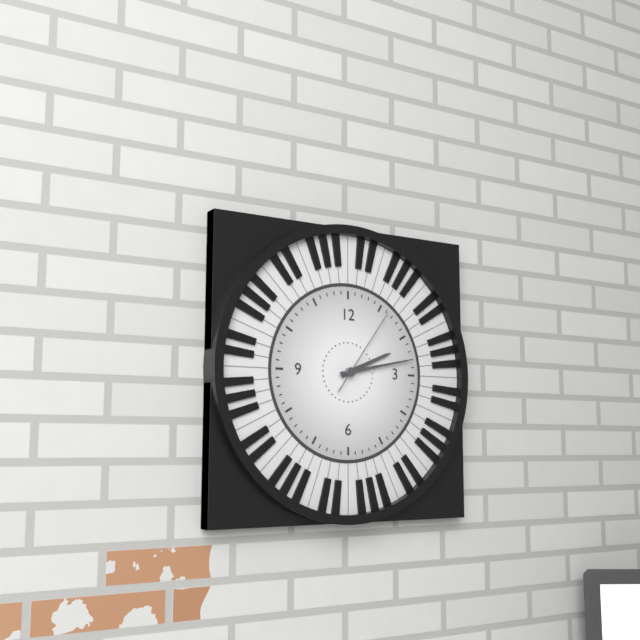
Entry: h=2 m=13 s=6
